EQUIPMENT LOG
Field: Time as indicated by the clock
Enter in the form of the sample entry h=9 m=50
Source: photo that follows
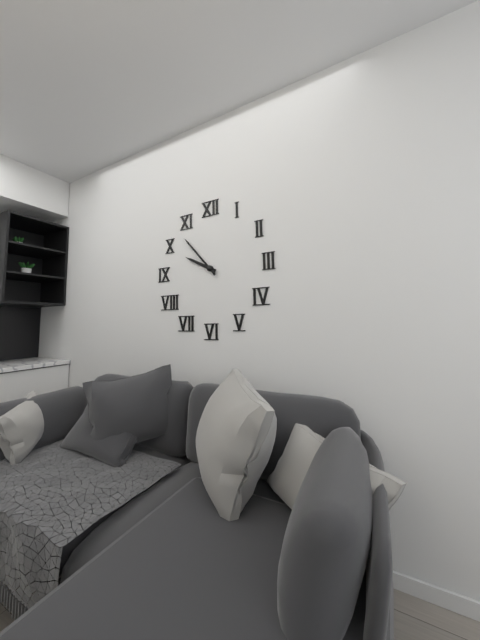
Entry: h=9 m=53
